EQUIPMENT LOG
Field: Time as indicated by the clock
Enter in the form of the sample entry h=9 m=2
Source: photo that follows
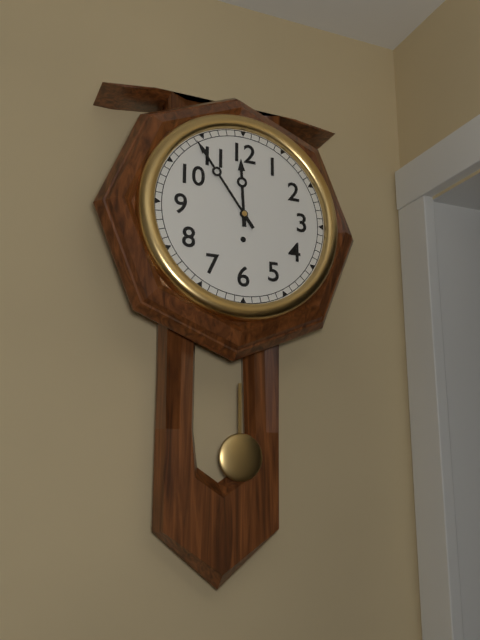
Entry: h=11 m=54
